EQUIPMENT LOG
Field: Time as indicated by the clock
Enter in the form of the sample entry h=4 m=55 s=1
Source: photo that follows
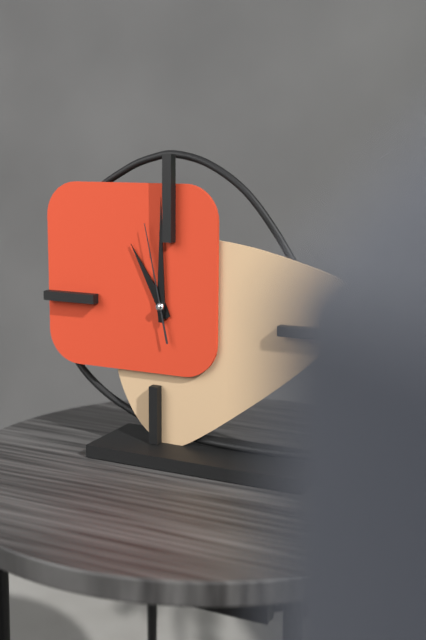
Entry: h=11 m=0 s=58
